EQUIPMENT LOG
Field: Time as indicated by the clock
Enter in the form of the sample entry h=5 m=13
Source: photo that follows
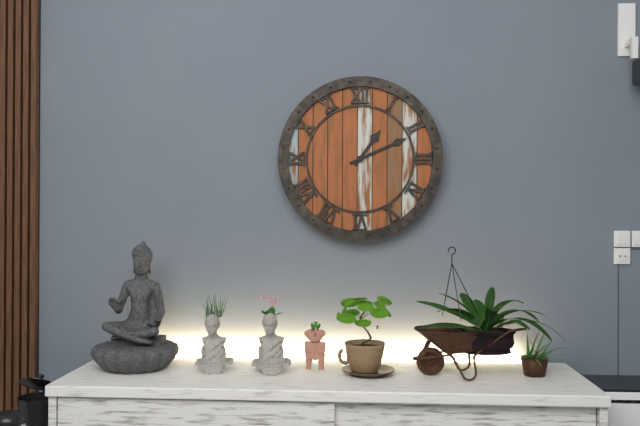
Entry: h=1 m=11
